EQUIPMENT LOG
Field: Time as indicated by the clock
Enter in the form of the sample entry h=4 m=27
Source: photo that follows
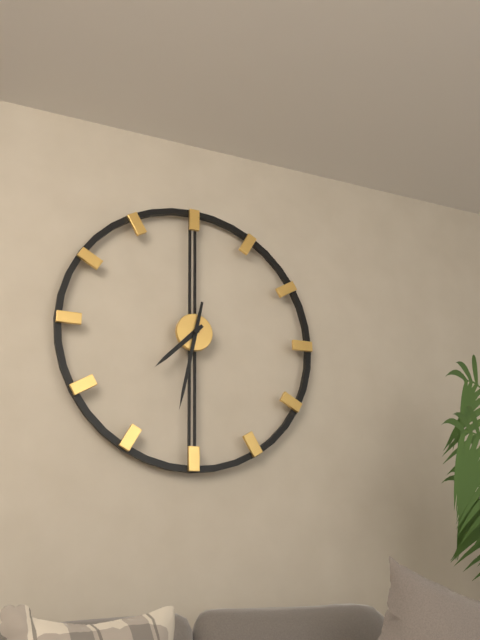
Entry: h=7 m=32
